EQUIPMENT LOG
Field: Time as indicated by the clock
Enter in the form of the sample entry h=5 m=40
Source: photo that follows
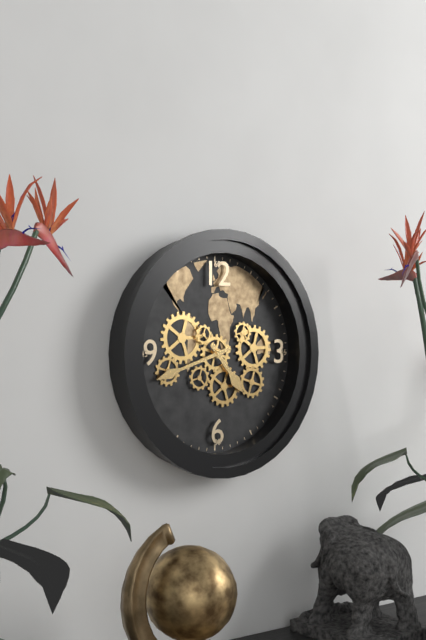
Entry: h=4 m=42
